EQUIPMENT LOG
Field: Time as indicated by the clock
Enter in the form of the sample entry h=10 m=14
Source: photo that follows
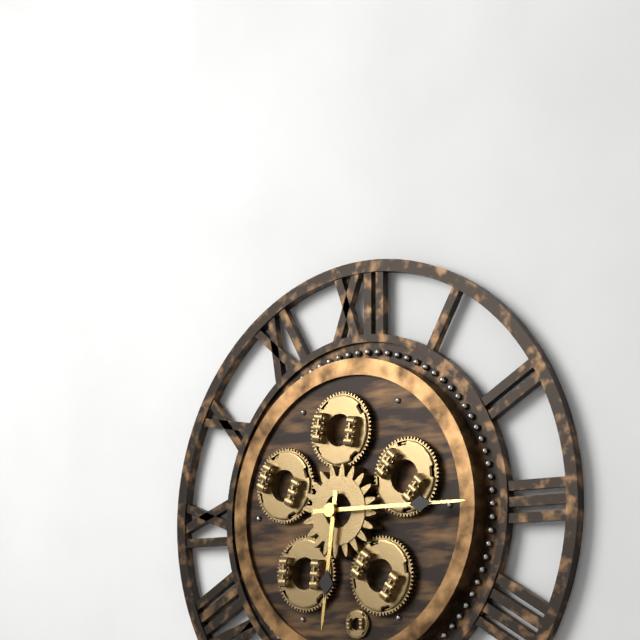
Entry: h=6 m=15
